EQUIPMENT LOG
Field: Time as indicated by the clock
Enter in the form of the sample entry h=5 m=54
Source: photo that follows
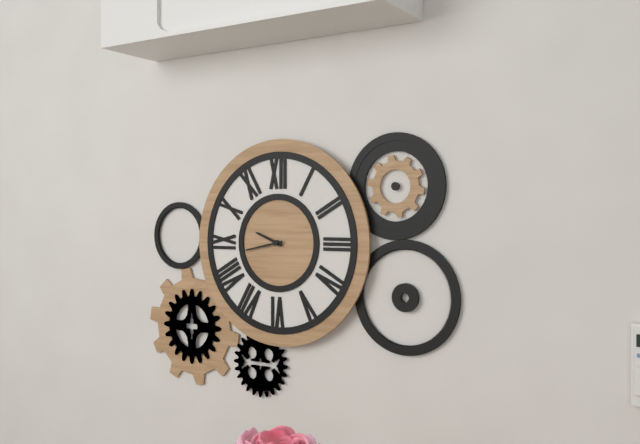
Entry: h=9 m=43
